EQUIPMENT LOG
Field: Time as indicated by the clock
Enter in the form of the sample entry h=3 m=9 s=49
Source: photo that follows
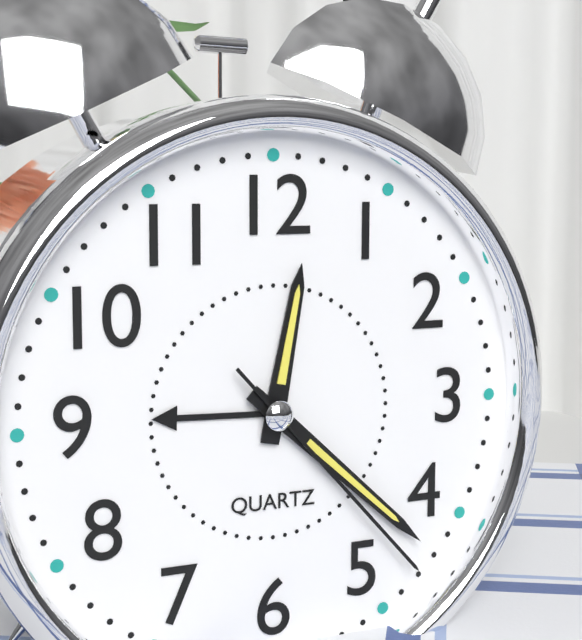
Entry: h=12 m=22 s=23
